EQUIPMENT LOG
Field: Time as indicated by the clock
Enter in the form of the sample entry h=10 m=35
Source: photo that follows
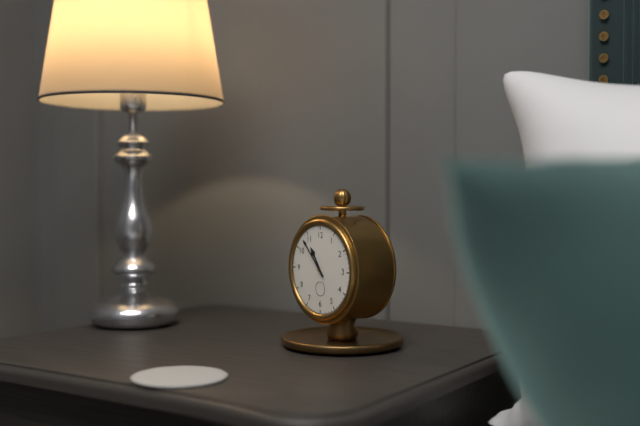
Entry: h=10 m=53
